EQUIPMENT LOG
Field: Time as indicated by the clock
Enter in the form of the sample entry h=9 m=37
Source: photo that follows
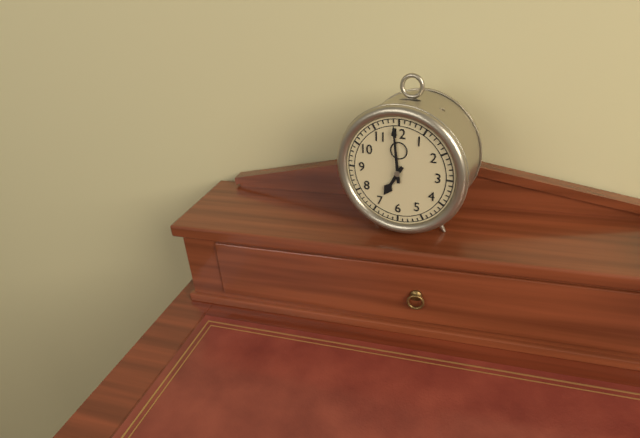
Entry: h=6 m=59
